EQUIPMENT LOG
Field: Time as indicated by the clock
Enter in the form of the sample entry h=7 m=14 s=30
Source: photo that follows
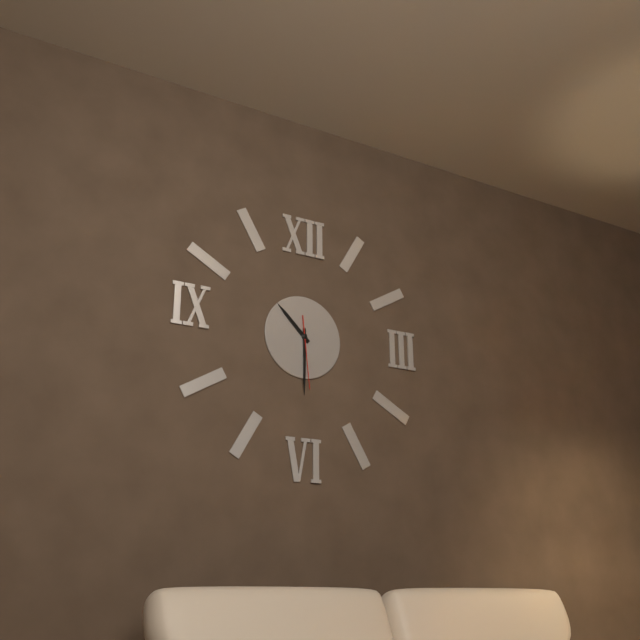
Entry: h=10 m=30 s=29
